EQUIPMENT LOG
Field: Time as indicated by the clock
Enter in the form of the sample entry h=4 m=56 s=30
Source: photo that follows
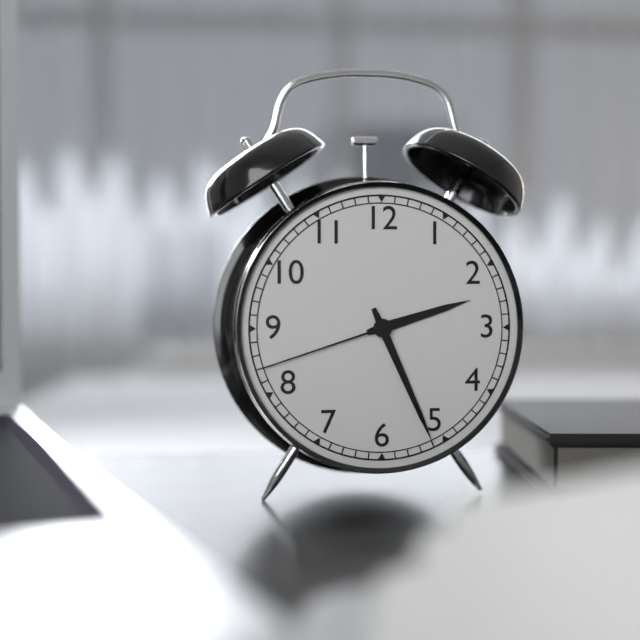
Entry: h=2 m=26 s=42
